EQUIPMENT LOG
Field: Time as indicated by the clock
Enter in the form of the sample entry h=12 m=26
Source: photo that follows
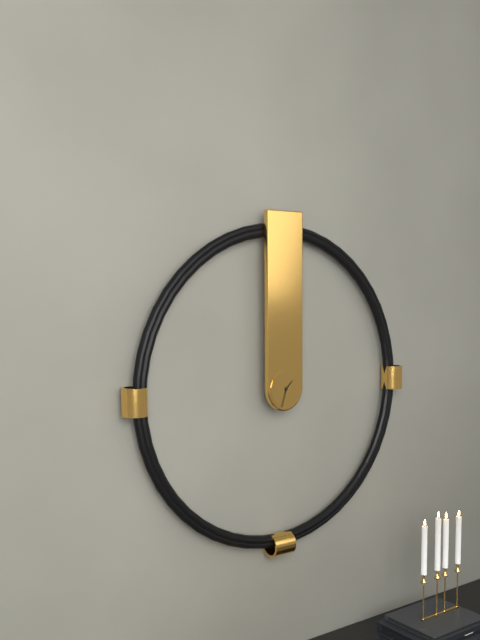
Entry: h=1 m=33
